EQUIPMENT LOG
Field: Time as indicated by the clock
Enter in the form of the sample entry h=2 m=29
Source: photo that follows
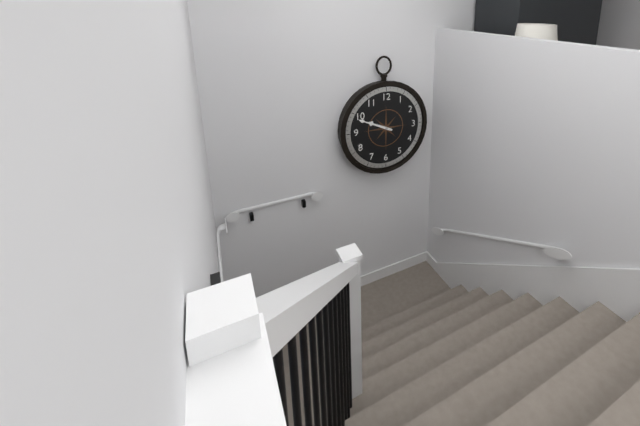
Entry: h=9 m=49
